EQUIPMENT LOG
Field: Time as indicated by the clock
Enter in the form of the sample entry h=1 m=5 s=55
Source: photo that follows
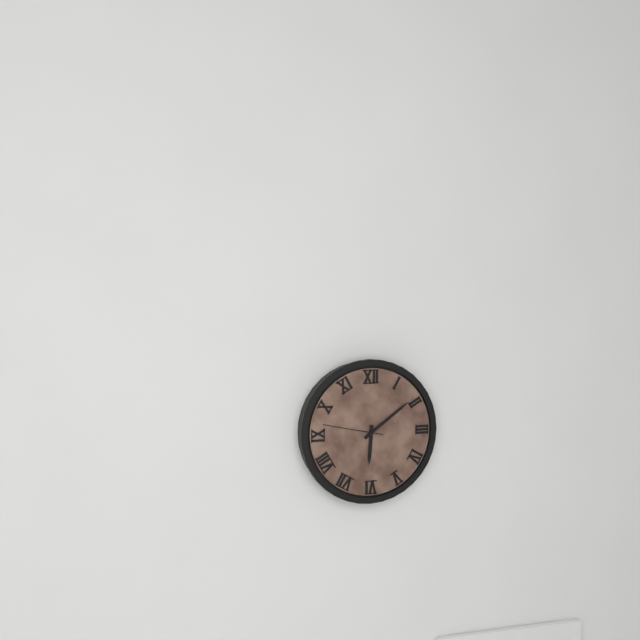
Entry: h=6 m=9 s=47
